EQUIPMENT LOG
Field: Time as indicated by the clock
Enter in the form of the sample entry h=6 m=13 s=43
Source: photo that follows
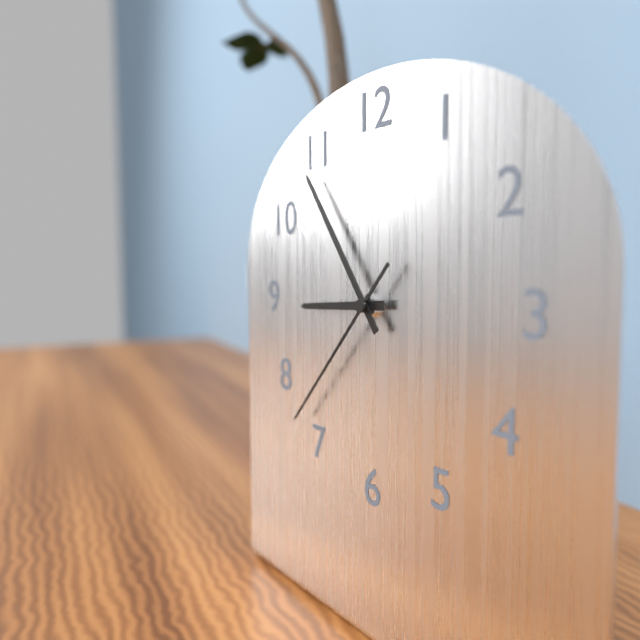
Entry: h=8 m=54 s=37
